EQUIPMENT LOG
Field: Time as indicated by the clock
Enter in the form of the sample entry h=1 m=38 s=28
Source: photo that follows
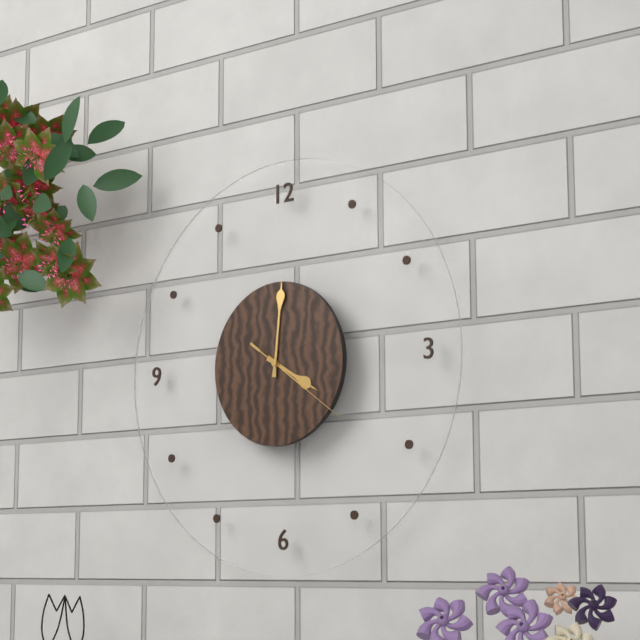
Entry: h=4 m=1 s=21
